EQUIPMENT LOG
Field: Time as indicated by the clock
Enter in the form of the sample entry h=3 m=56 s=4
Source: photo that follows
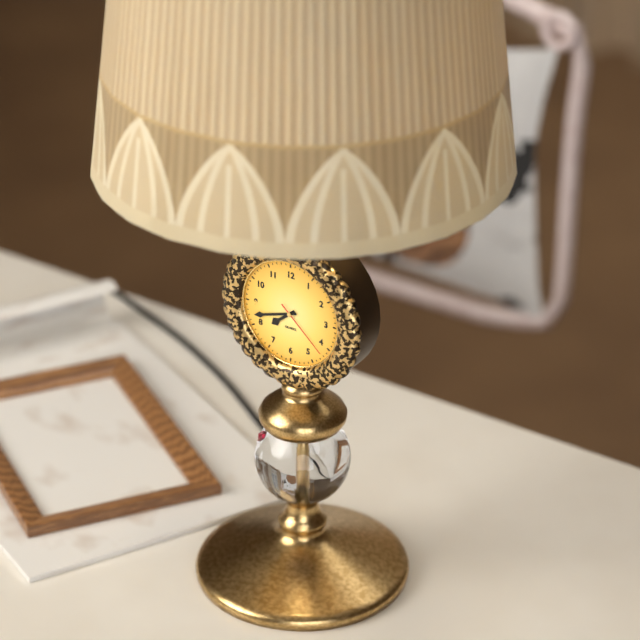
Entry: h=7 m=42 s=22
